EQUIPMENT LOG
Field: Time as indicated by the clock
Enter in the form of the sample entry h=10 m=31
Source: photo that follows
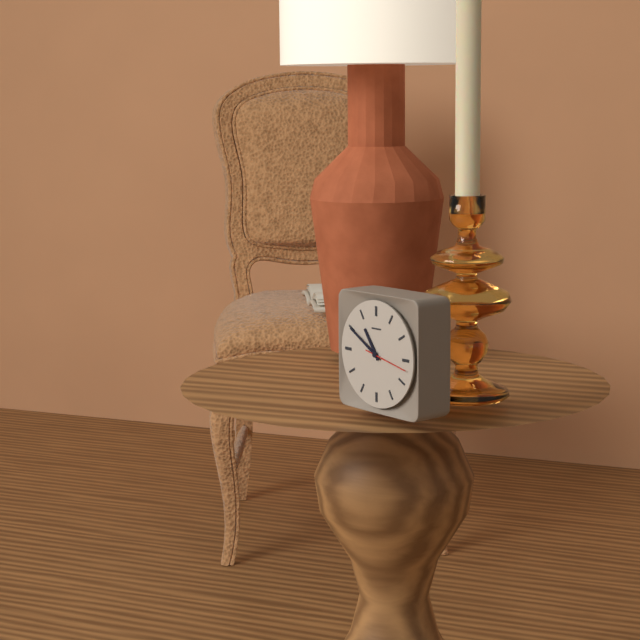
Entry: h=10 m=50
